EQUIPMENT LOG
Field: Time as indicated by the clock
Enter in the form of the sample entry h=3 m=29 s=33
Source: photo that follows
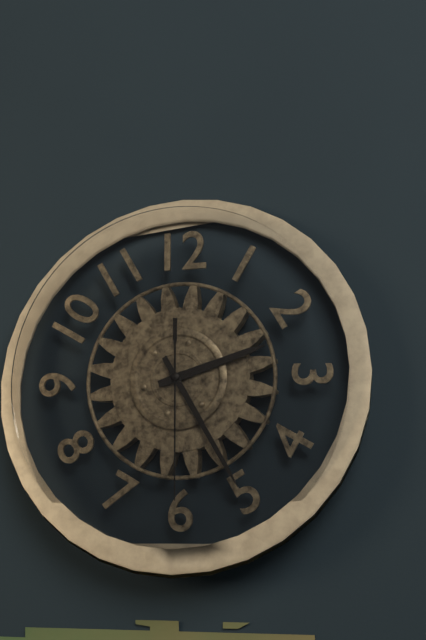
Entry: h=2 m=25 s=30
